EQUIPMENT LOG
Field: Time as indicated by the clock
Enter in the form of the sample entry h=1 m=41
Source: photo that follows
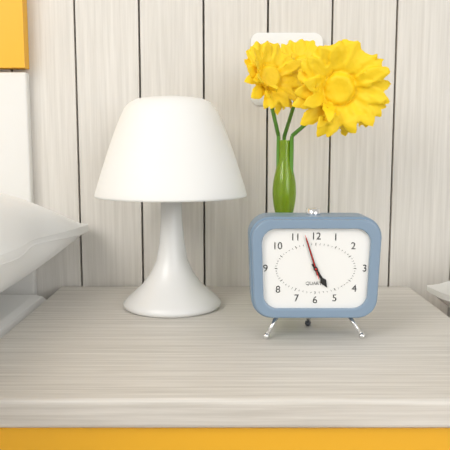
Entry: h=4 m=57
